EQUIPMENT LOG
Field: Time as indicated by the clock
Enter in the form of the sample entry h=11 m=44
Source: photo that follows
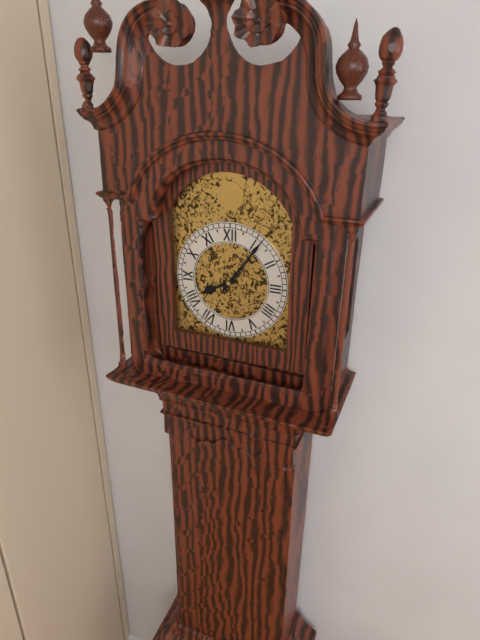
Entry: h=8 m=6
